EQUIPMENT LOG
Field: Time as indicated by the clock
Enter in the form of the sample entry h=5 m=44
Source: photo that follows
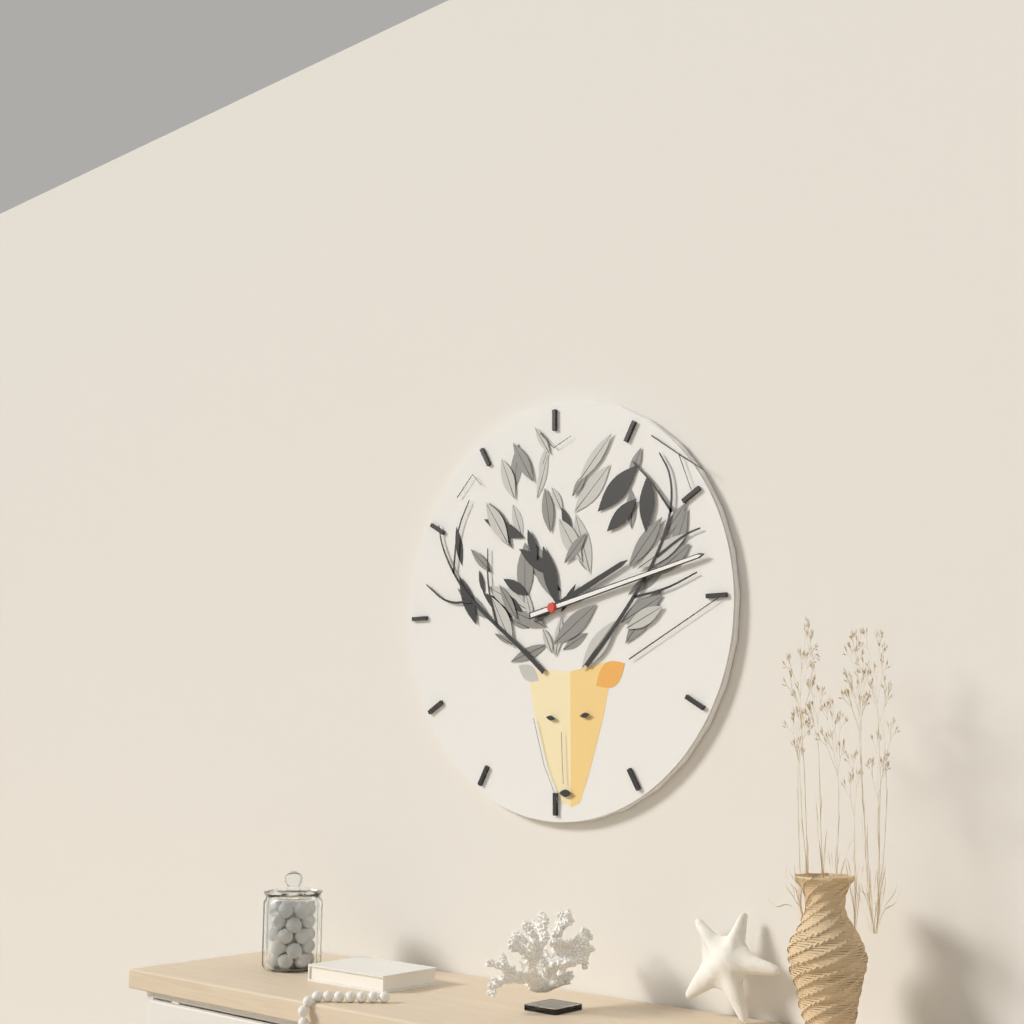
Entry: h=2 m=13
